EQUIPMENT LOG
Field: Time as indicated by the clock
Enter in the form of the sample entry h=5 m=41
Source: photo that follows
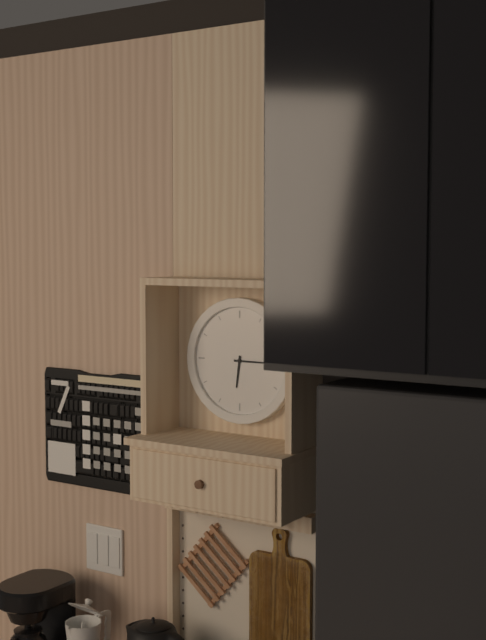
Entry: h=6 m=15
